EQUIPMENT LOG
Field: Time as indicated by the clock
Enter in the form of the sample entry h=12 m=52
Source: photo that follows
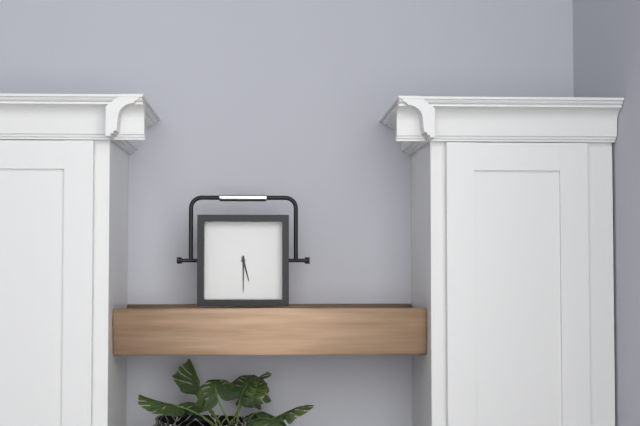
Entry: h=5 m=30
